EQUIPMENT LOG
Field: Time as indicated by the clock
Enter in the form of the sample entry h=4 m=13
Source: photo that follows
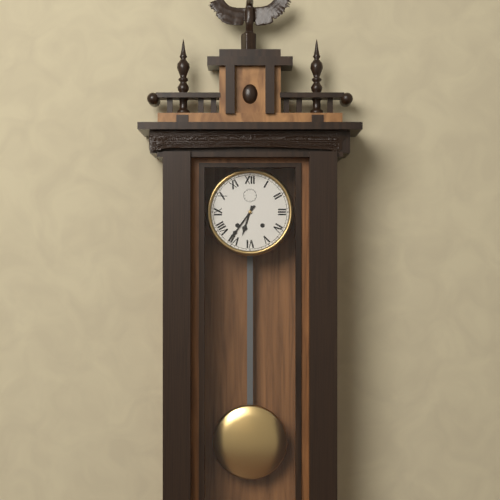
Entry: h=6 m=36
